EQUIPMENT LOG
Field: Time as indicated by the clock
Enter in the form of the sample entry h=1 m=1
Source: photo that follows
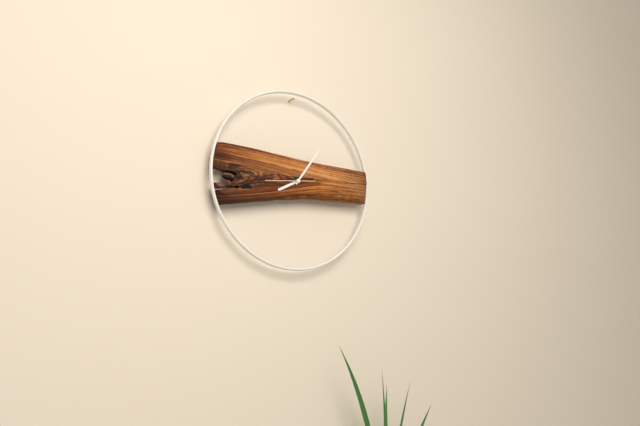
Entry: h=8 m=6
